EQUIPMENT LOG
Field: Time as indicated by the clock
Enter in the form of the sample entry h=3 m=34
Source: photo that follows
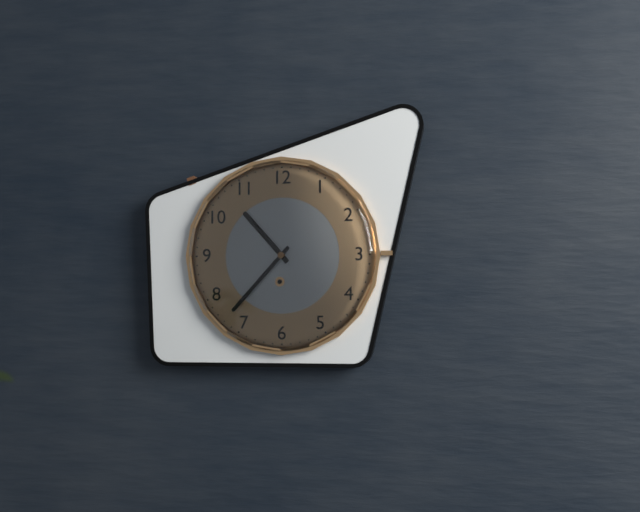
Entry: h=10 m=37
